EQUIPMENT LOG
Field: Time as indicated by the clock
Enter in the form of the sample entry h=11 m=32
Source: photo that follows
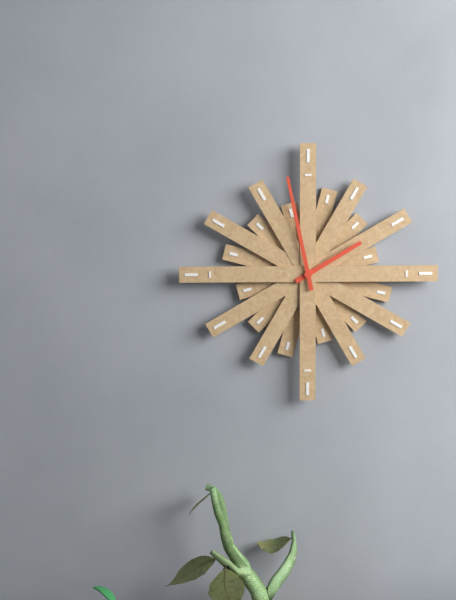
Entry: h=1 m=58
